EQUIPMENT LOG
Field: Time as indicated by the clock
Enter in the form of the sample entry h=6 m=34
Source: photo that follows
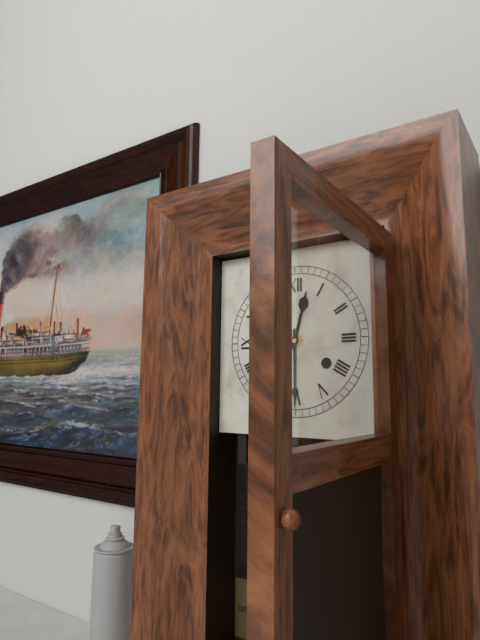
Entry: h=12 m=30
